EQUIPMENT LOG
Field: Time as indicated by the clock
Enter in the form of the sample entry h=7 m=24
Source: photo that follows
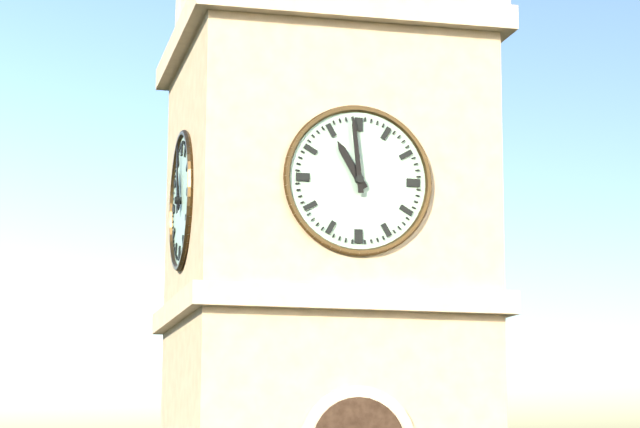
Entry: h=10 m=59
